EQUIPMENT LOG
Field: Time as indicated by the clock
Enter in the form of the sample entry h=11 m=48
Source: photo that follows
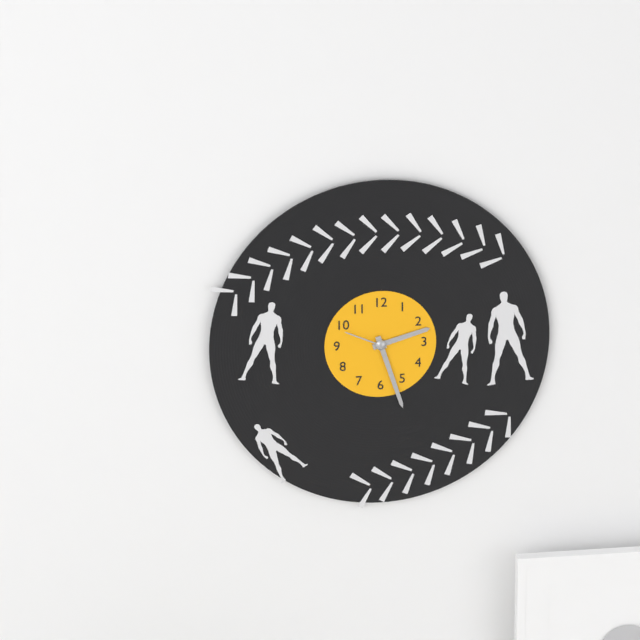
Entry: h=2 m=27
